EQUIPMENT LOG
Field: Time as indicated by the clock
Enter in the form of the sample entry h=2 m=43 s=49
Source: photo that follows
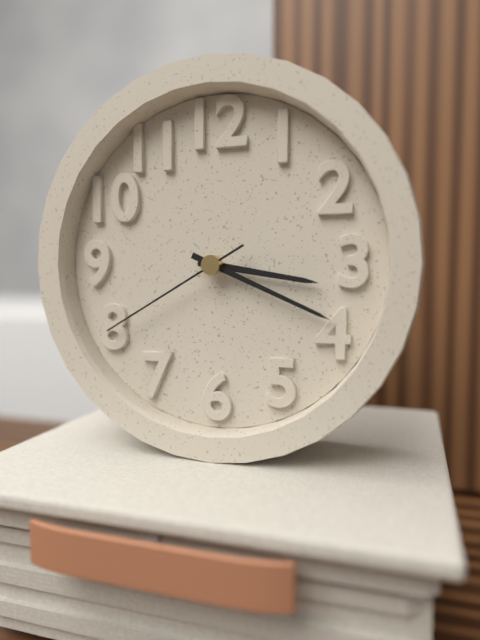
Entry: h=3 m=19 s=40
